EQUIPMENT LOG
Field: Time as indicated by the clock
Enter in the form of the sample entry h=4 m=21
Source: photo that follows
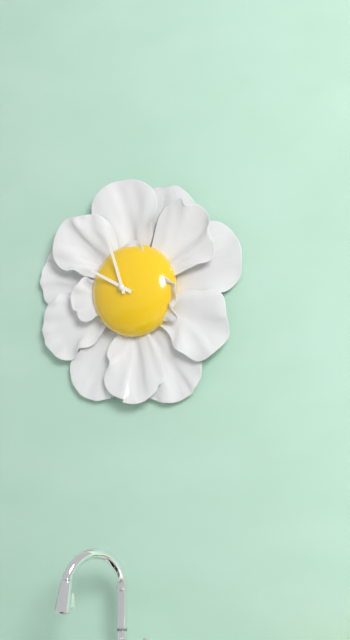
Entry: h=9 m=57
